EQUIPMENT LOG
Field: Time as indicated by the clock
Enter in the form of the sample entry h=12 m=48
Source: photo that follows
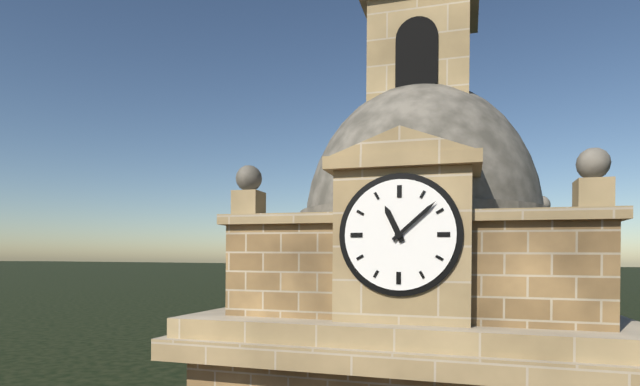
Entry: h=11 m=8
